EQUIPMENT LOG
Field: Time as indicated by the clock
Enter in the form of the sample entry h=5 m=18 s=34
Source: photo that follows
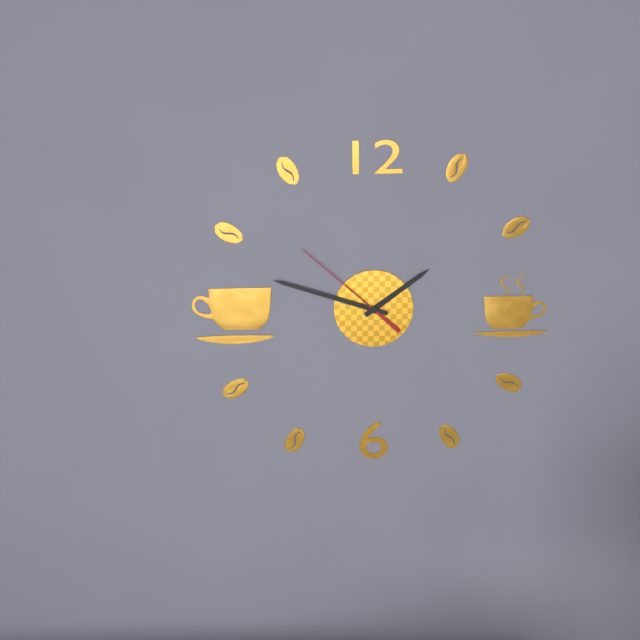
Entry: h=1 m=48 s=52
